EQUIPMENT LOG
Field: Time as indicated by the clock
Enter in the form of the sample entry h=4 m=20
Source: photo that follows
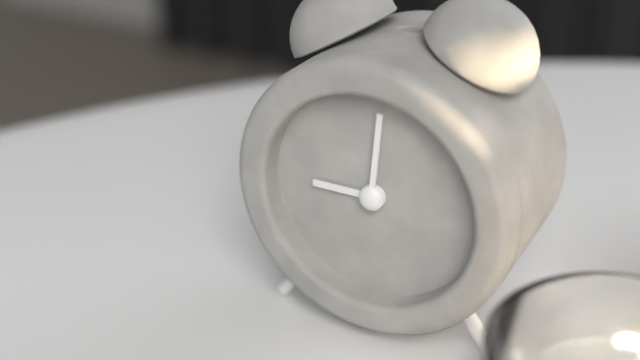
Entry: h=9 m=1
